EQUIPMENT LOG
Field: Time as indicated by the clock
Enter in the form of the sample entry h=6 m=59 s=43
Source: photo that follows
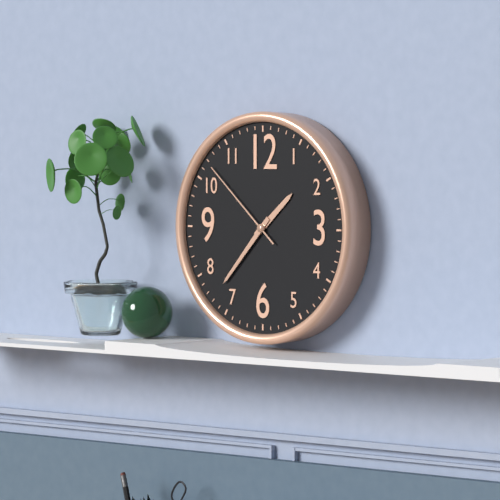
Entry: h=1 m=37 s=52
